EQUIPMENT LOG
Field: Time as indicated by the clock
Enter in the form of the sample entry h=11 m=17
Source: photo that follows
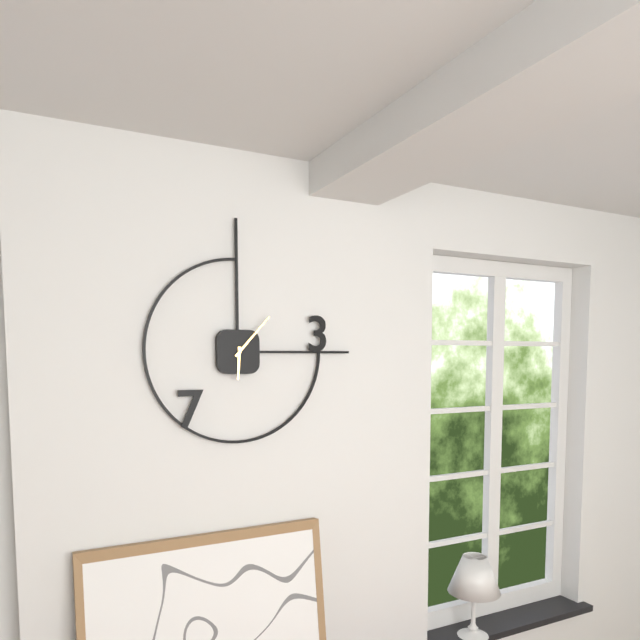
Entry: h=6 m=7
